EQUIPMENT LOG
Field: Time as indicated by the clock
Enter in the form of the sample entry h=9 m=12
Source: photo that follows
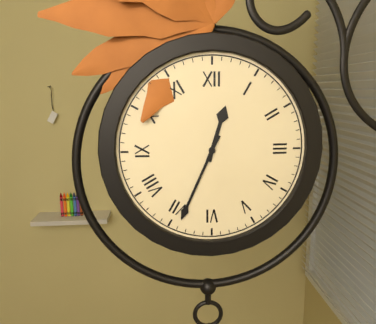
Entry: h=12 m=34
